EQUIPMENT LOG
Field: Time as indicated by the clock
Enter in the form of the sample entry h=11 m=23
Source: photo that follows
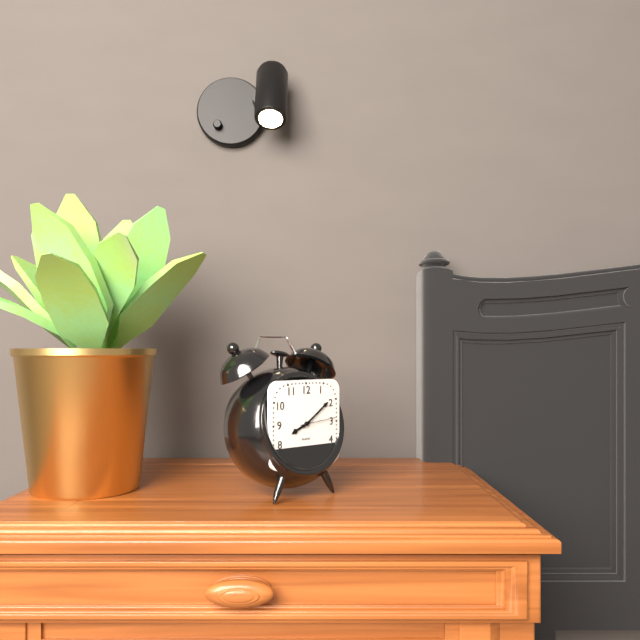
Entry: h=8 m=9
